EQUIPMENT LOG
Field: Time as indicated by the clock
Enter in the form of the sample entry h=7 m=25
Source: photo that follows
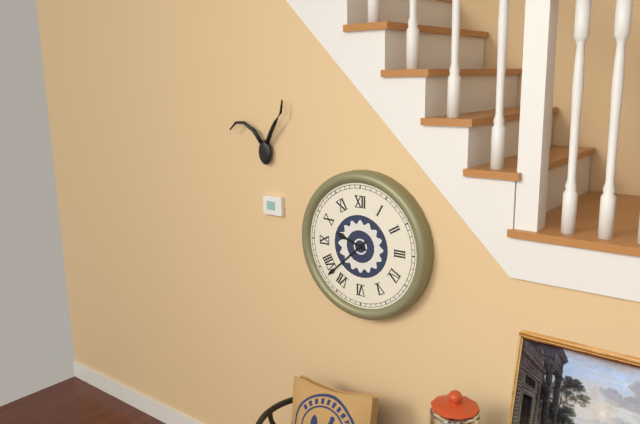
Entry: h=9 m=38
